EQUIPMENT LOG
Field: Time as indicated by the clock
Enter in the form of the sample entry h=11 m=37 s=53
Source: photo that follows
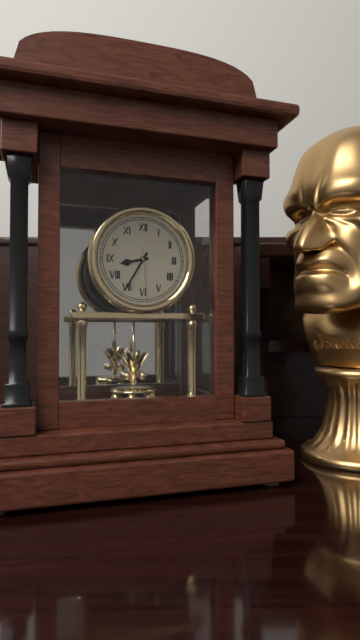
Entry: h=8 m=35 s=29
